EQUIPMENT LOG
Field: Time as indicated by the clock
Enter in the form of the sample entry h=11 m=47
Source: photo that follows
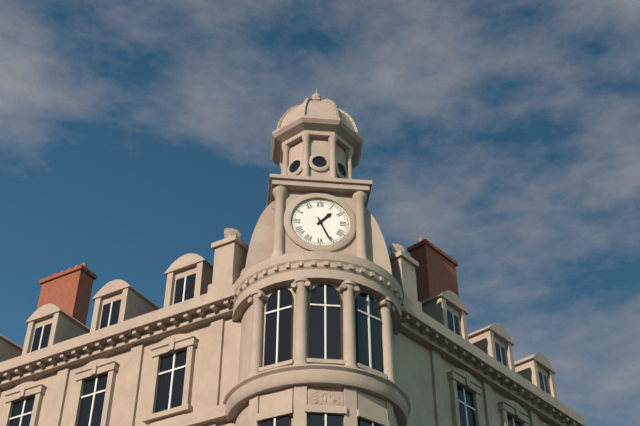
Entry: h=1 m=26
